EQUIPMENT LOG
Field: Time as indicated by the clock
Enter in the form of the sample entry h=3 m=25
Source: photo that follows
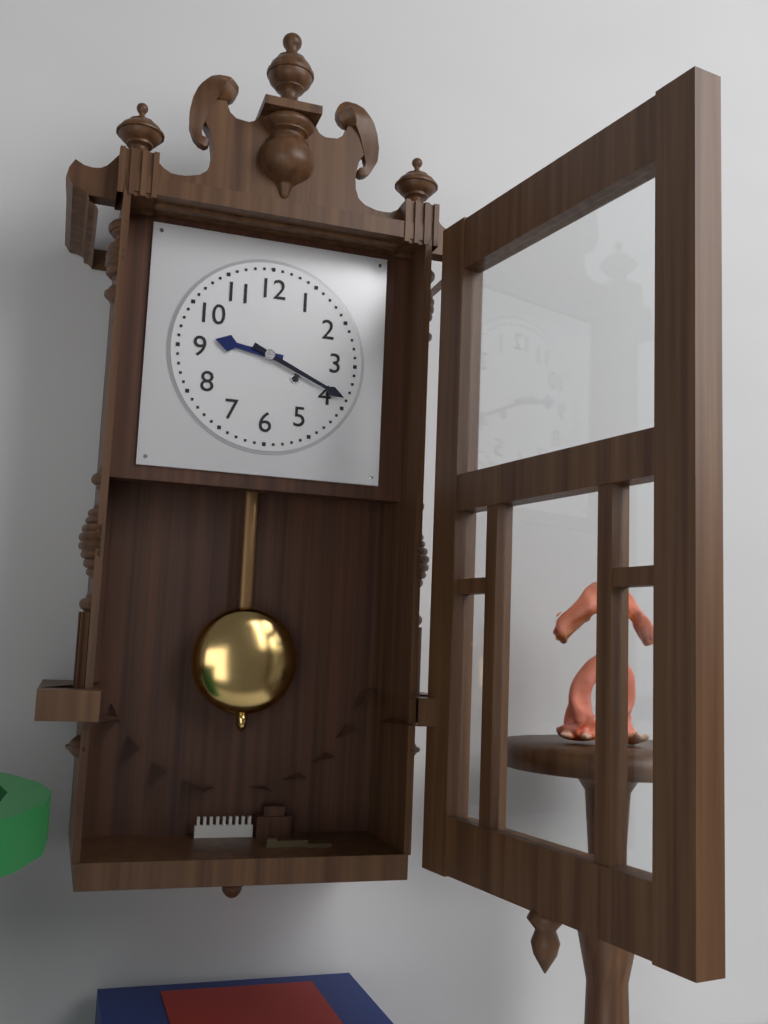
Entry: h=9 m=19
